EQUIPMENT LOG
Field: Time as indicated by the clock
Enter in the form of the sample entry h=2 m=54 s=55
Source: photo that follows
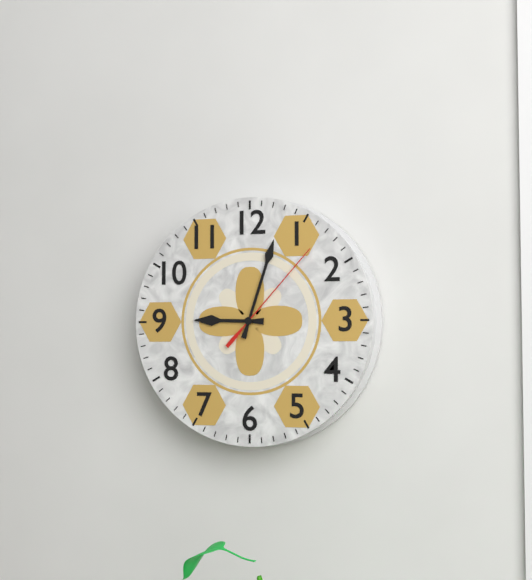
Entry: h=9 m=3 s=7
